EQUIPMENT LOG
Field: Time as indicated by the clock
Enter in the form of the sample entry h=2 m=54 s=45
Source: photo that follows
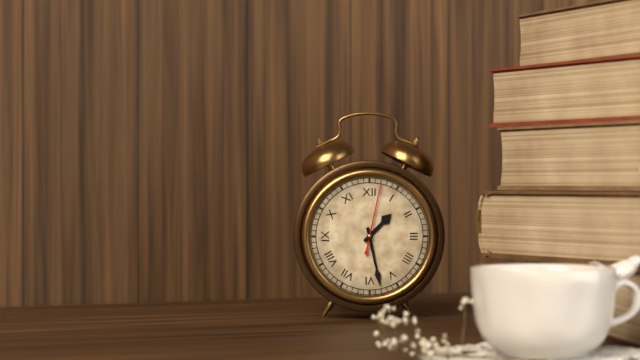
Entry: h=1 m=28 s=2
